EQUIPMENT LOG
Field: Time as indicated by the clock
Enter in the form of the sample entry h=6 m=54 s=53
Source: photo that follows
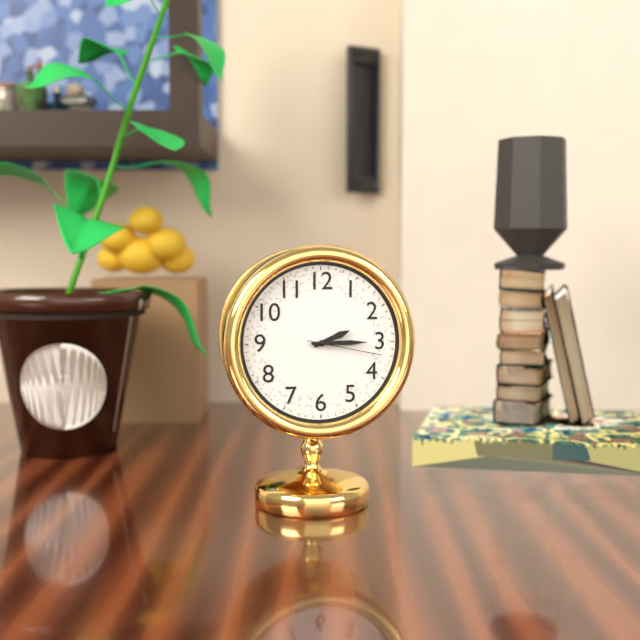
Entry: h=2 m=15 s=17
